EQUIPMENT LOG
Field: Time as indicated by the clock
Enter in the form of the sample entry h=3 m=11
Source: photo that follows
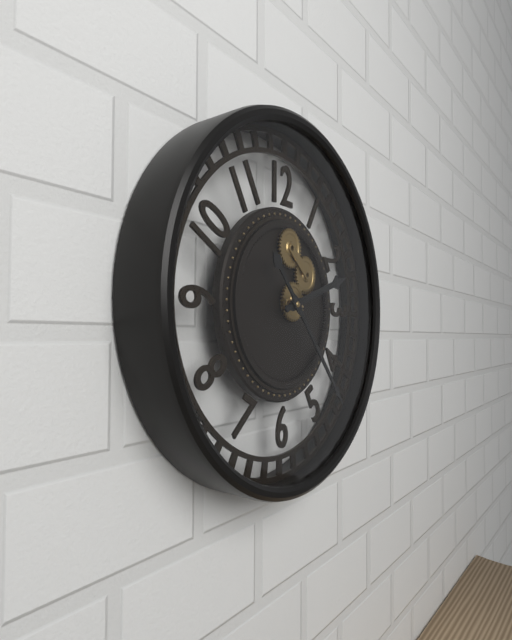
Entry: h=2 m=23
